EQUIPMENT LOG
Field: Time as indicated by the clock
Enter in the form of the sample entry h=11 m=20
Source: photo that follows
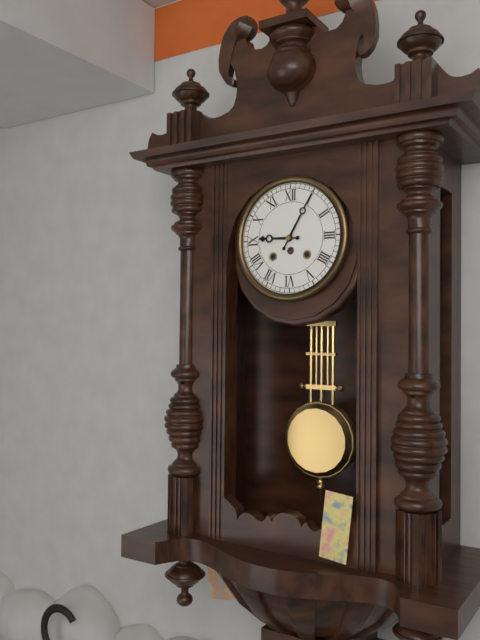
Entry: h=9 m=5
